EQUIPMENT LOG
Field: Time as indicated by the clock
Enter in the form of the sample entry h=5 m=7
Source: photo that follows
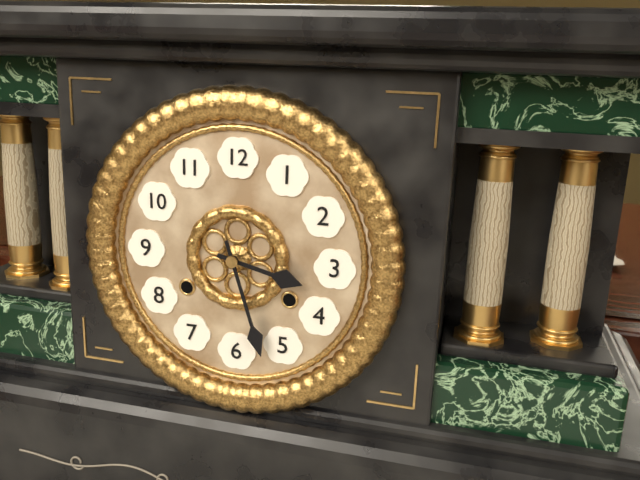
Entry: h=3 m=27
